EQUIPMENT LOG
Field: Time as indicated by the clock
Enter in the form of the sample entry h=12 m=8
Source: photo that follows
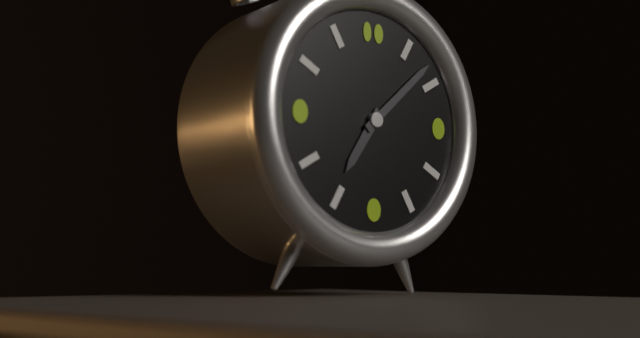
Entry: h=7 m=8
